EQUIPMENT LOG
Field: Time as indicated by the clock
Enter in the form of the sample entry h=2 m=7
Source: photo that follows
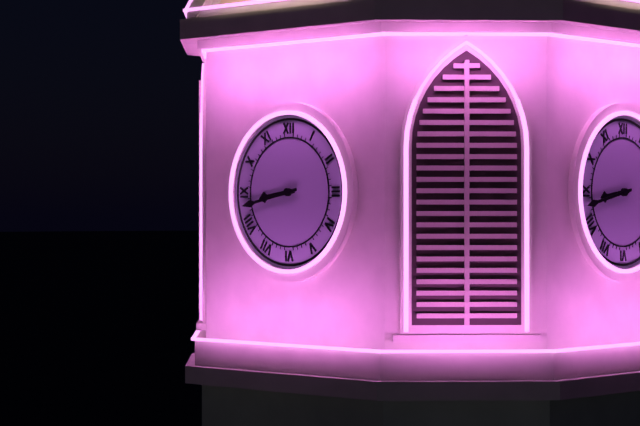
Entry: h=8 m=43
